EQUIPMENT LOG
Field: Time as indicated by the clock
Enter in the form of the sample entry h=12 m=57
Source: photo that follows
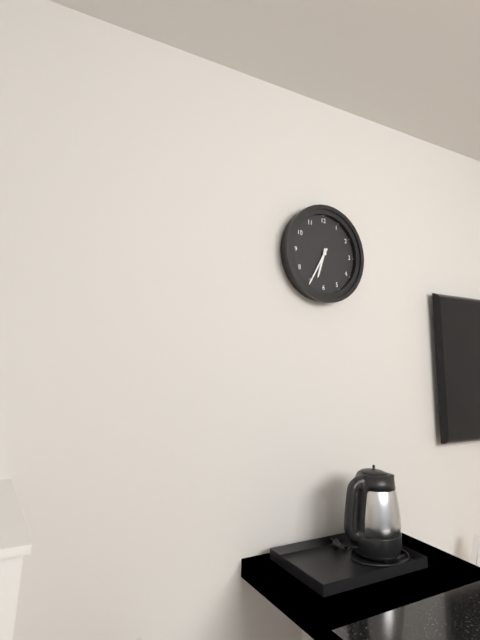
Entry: h=6 m=35
